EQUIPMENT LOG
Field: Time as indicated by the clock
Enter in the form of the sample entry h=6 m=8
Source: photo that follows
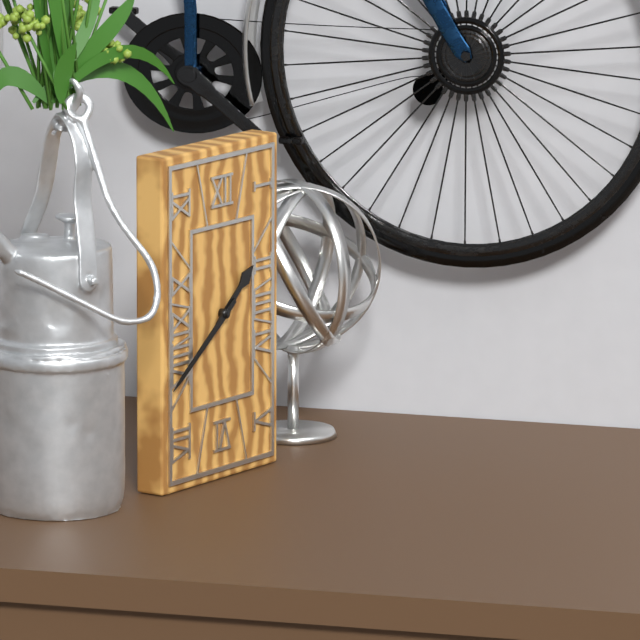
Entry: h=1 m=39
